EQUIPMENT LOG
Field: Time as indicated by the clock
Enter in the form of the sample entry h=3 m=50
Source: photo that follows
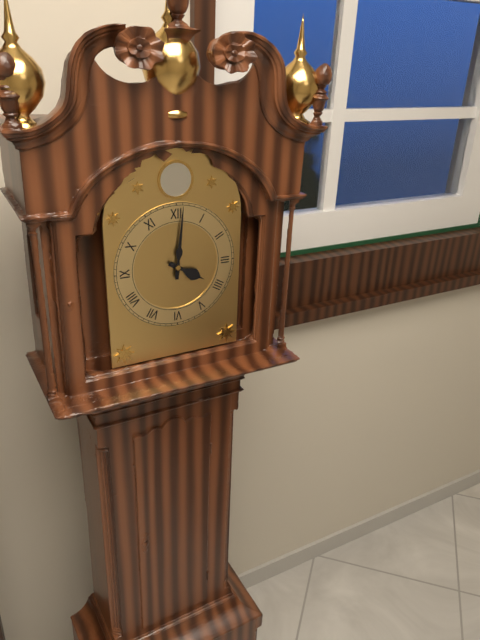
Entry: h=4 m=1
